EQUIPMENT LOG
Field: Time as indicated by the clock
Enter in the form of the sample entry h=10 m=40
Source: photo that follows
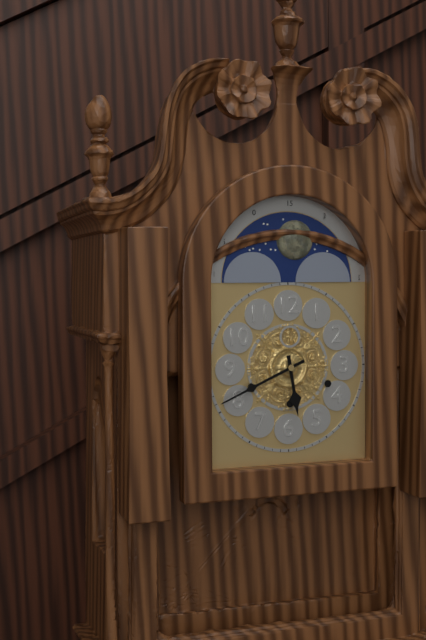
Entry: h=5 m=41
